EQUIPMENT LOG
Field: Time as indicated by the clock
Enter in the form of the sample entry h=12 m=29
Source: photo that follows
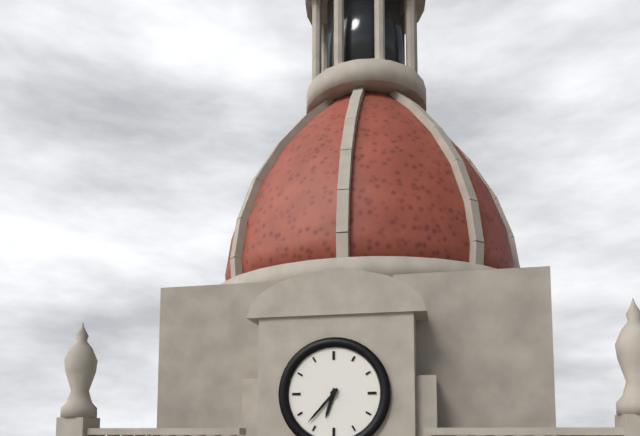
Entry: h=6 m=37
